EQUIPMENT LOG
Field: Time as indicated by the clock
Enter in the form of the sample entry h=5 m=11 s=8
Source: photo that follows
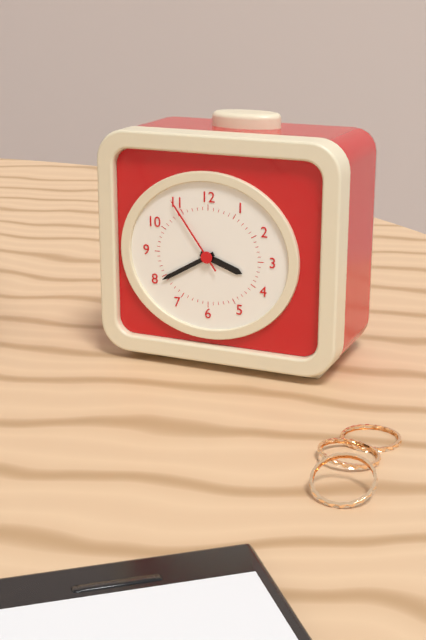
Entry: h=3 m=40 s=54
